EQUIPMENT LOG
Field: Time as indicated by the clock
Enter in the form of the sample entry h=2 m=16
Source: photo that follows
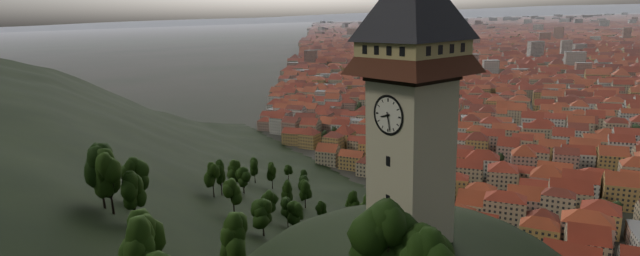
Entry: h=8 m=28
